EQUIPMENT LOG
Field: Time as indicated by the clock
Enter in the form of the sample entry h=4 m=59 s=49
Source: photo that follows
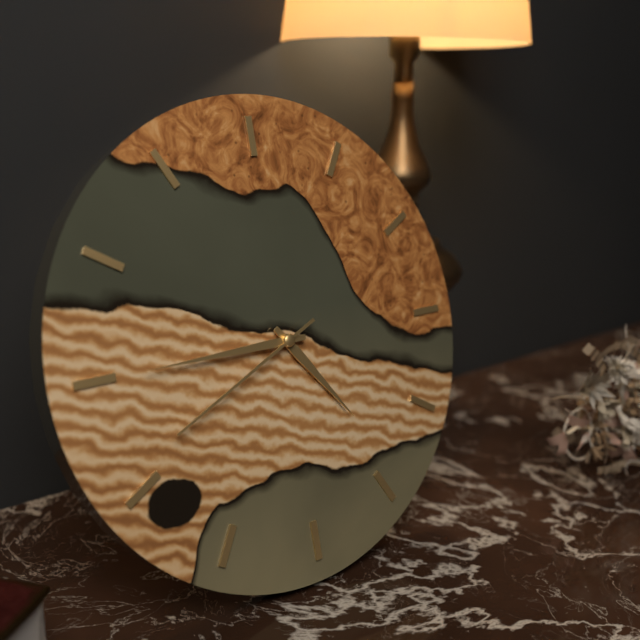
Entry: h=4 m=45 s=41
